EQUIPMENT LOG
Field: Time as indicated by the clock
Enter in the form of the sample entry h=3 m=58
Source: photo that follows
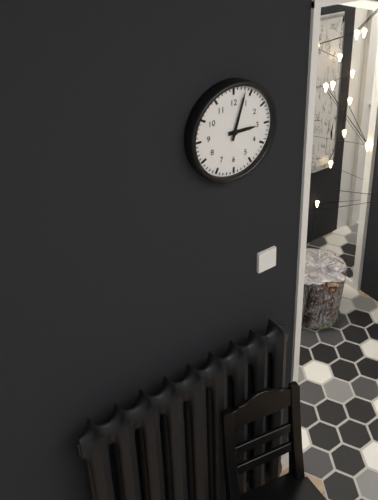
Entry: h=3 m=3
